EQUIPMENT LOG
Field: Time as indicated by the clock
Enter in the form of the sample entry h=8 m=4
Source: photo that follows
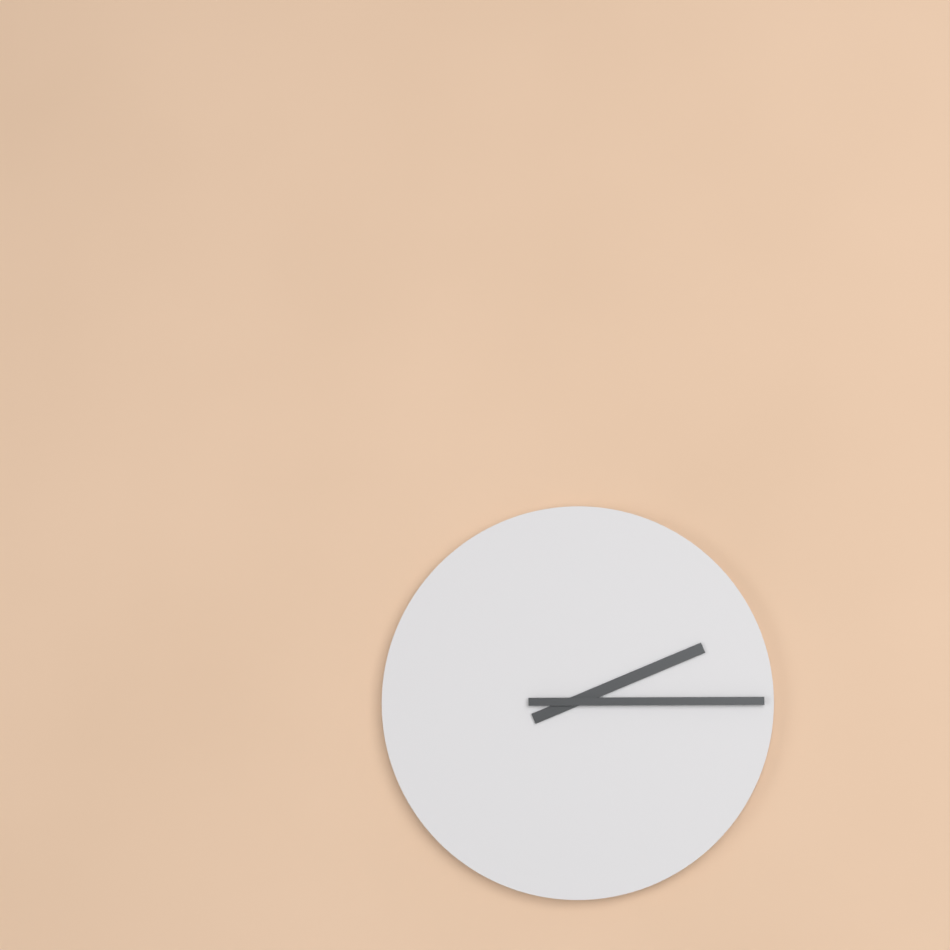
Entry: h=2 m=15
